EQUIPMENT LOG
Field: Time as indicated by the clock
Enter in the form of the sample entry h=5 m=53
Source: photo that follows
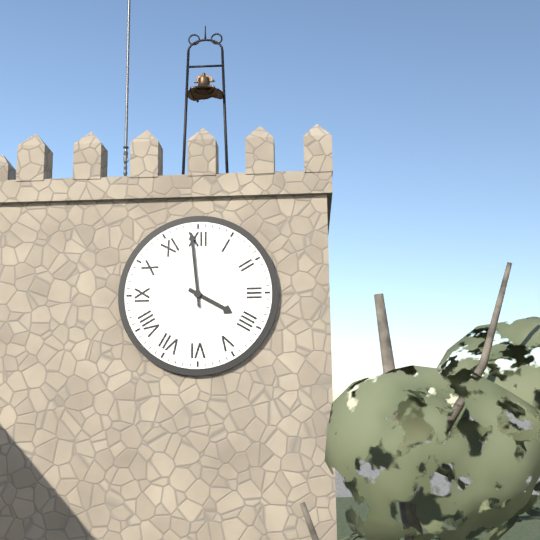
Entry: h=3 m=59
